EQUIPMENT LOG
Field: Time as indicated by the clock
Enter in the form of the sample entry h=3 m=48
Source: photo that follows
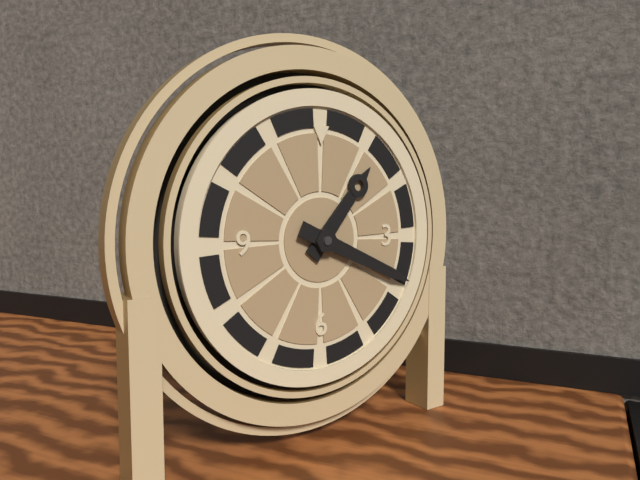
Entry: h=1 m=19
